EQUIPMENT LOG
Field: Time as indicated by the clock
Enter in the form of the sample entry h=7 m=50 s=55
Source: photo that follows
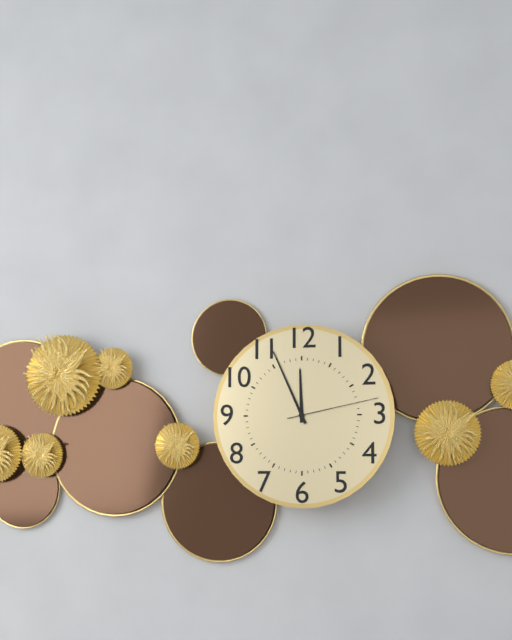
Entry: h=11 m=56 s=13
